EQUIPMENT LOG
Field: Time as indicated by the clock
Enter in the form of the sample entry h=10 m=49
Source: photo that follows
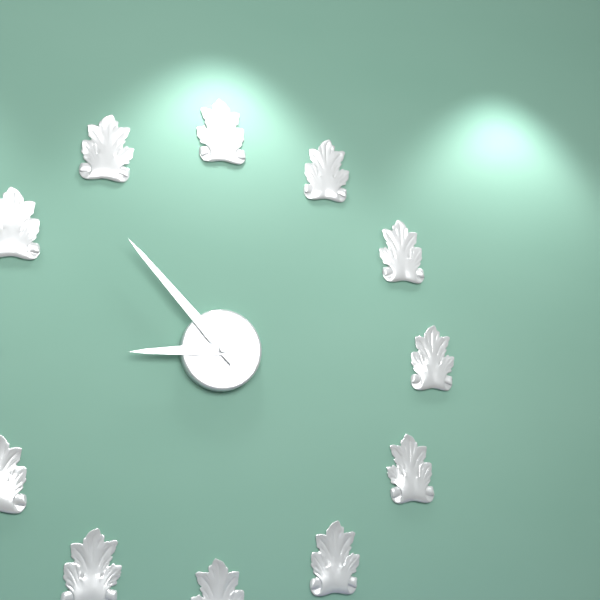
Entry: h=8 m=53
